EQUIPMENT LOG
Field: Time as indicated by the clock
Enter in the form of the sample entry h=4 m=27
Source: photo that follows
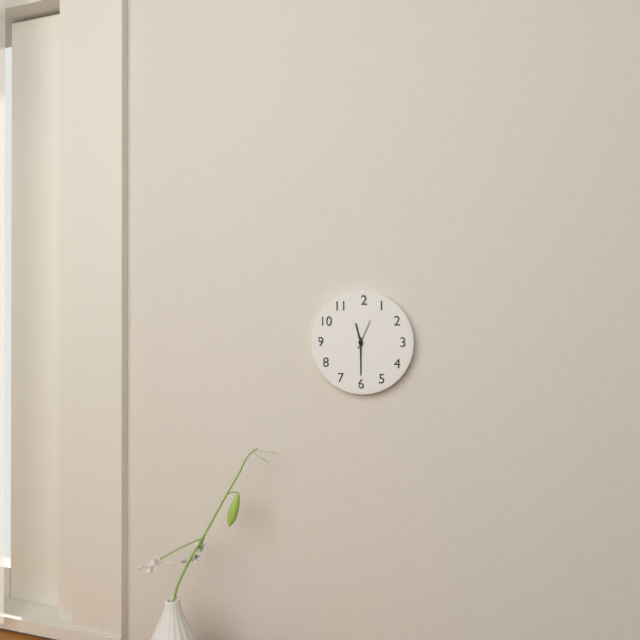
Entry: h=11 m=30
